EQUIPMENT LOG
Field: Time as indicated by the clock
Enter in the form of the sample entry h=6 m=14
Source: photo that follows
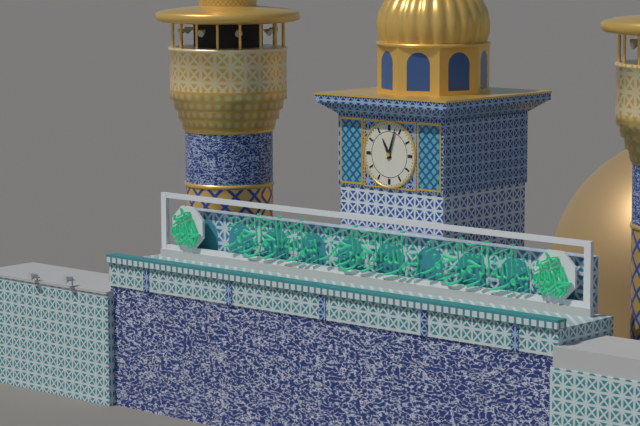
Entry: h=11 m=3
